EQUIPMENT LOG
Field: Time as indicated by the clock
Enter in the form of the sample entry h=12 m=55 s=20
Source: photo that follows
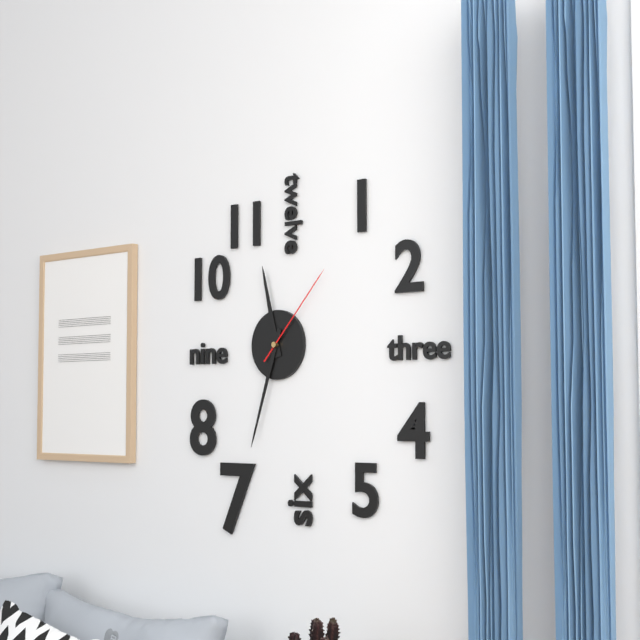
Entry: h=11 m=33 s=7
